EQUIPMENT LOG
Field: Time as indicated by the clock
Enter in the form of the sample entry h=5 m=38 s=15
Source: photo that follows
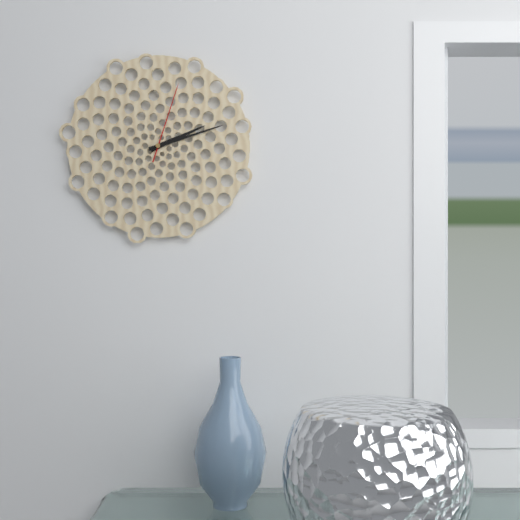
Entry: h=2 m=12 s=3
